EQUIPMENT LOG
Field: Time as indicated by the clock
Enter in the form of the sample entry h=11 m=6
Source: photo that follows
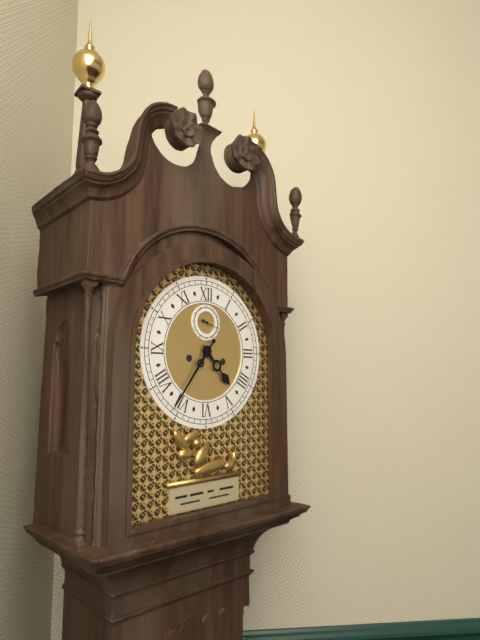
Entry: h=4 m=36
